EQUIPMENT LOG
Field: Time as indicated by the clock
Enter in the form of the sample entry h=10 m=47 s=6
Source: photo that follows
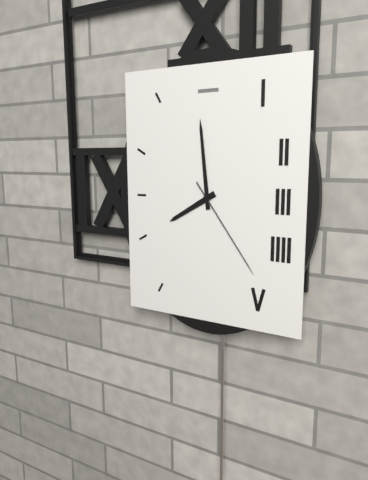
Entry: h=7 m=59 s=24
